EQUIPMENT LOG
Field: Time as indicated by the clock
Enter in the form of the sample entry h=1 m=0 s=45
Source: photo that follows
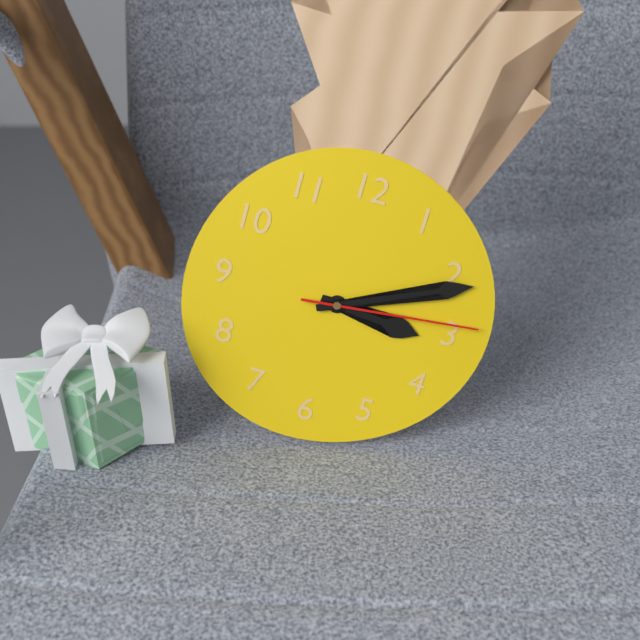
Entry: h=3 m=11 s=14
